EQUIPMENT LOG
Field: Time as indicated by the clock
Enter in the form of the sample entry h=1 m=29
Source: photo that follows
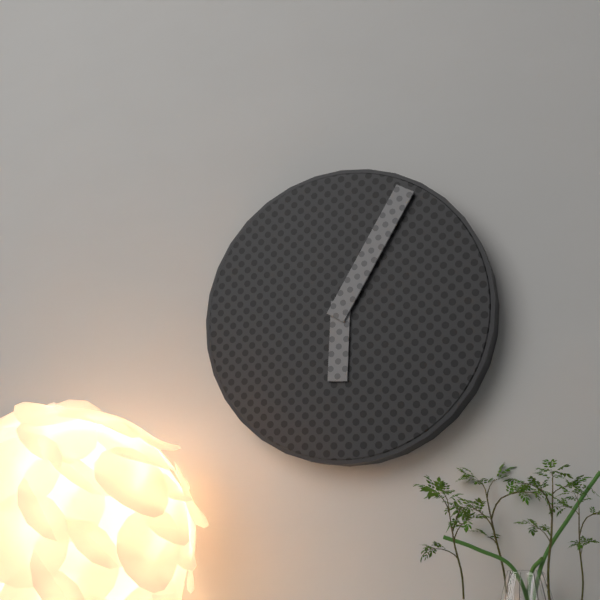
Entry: h=6 m=5
